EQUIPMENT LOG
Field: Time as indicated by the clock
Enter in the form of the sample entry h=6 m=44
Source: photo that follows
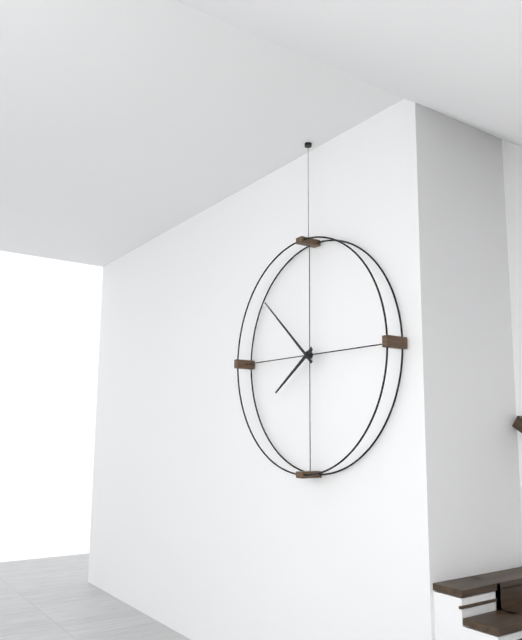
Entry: h=7 m=52
